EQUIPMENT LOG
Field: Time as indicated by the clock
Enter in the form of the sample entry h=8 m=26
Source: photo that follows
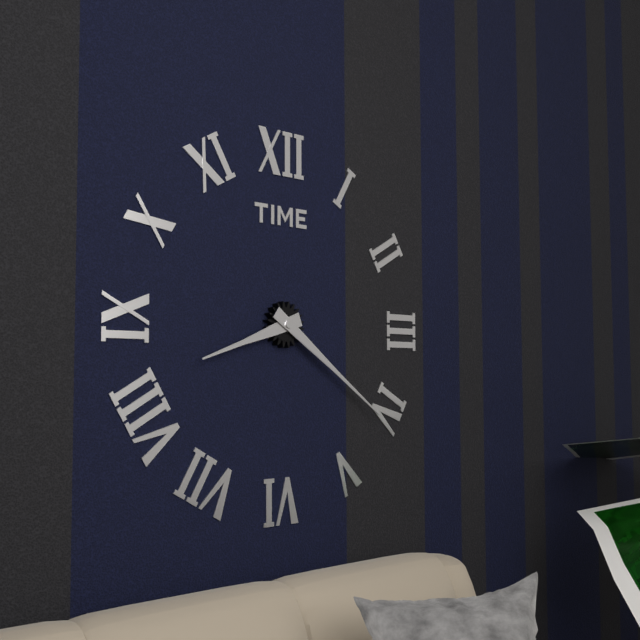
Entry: h=8 m=21
